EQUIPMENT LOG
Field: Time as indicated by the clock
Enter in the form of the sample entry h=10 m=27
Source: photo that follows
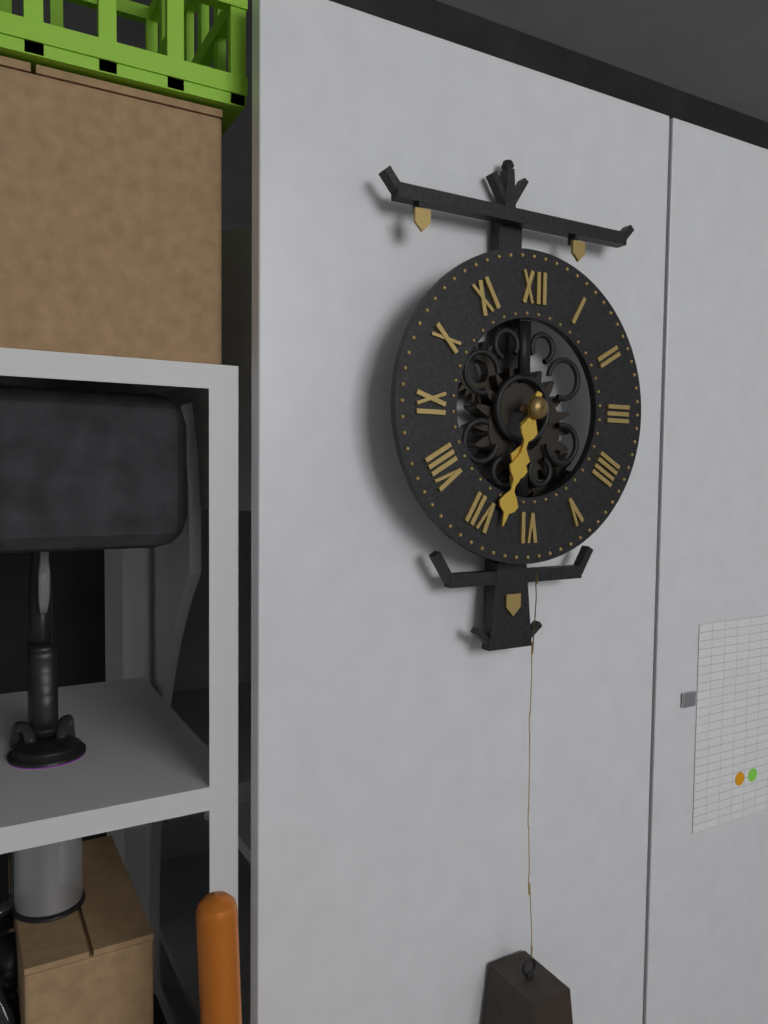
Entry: h=6 m=33
